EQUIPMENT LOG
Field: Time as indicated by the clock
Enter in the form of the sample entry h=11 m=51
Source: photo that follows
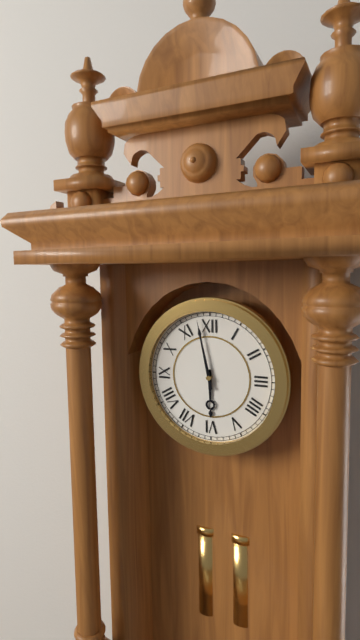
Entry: h=5 m=58
